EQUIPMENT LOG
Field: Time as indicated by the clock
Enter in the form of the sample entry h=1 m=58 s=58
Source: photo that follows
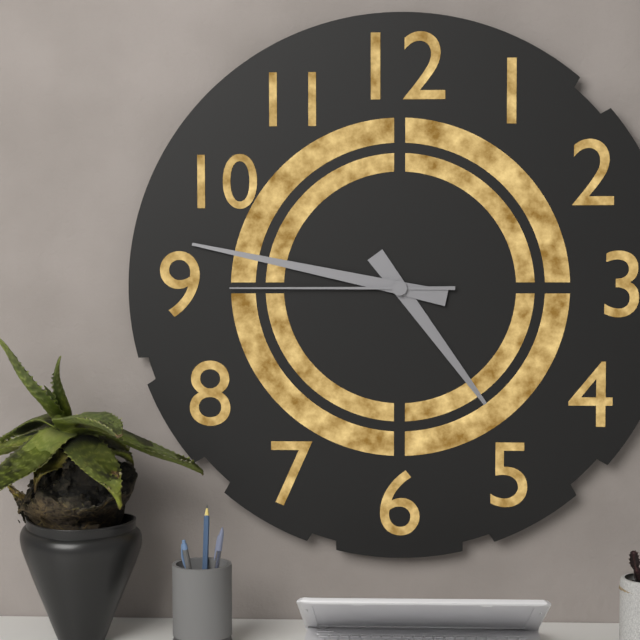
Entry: h=4 m=47 s=45
